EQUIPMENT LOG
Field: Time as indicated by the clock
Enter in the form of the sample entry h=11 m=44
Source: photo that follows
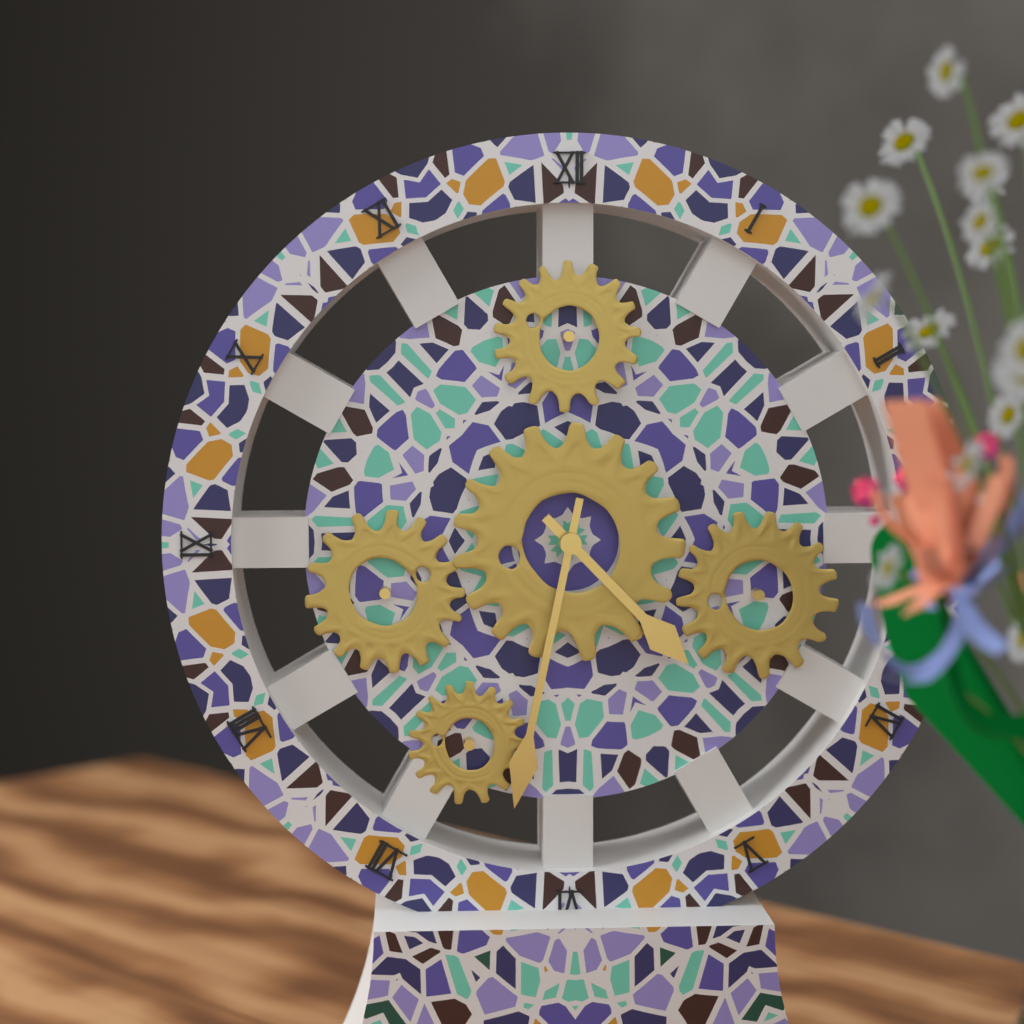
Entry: h=4 m=32
